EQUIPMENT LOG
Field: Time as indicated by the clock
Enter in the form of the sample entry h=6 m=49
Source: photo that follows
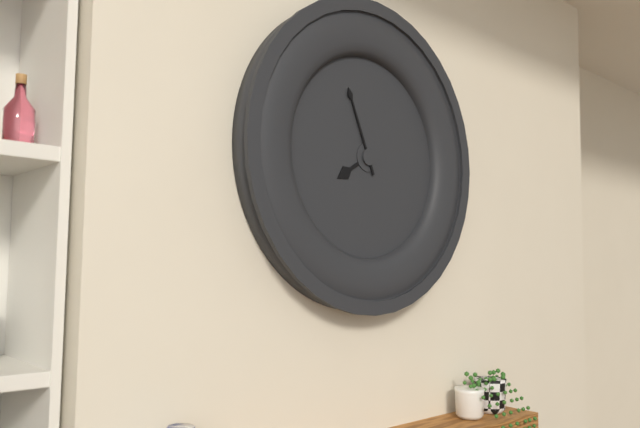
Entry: h=7 m=56
